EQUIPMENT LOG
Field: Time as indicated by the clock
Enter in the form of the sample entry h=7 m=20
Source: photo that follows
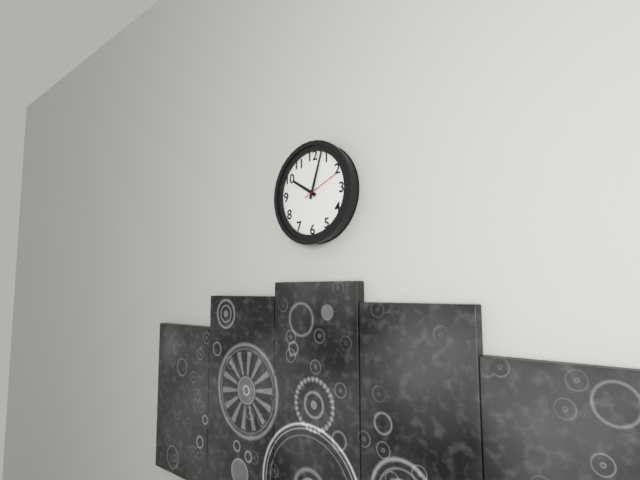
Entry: h=10 m=3
